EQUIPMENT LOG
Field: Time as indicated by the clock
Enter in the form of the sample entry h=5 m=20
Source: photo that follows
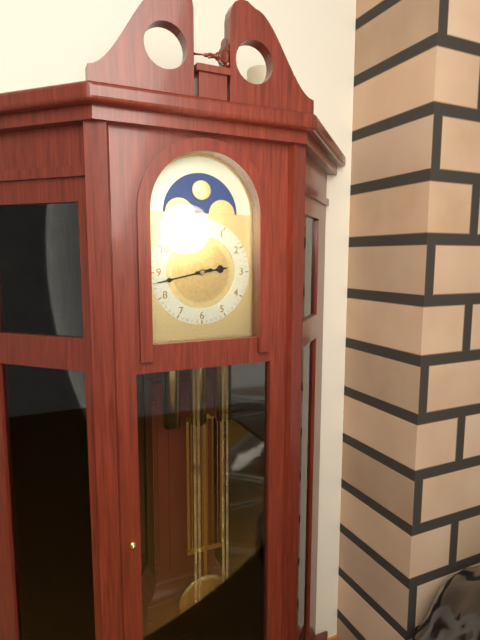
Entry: h=2 m=43
